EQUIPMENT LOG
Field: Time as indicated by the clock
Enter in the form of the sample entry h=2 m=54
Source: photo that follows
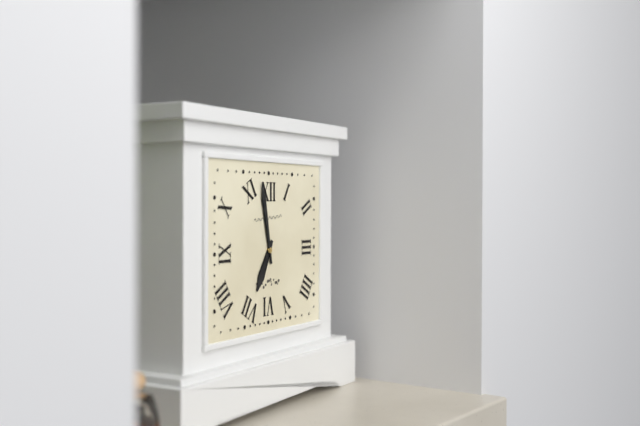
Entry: h=6 m=58
